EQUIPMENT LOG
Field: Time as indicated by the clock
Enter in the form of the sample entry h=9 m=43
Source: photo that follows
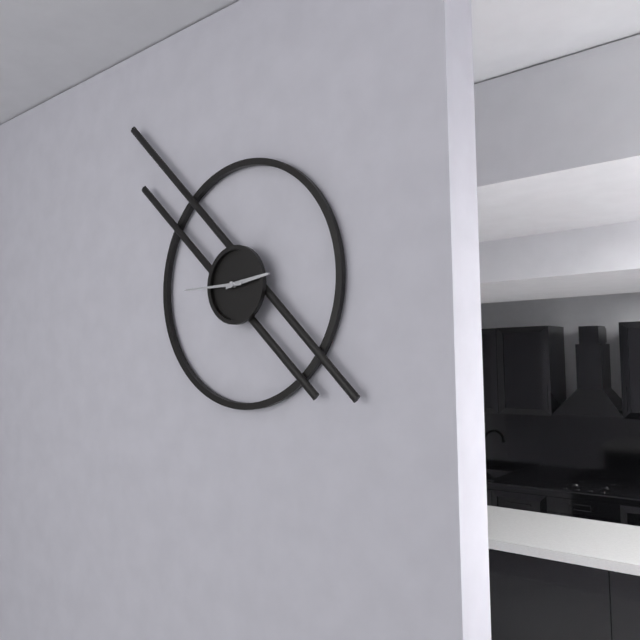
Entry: h=2 m=45
